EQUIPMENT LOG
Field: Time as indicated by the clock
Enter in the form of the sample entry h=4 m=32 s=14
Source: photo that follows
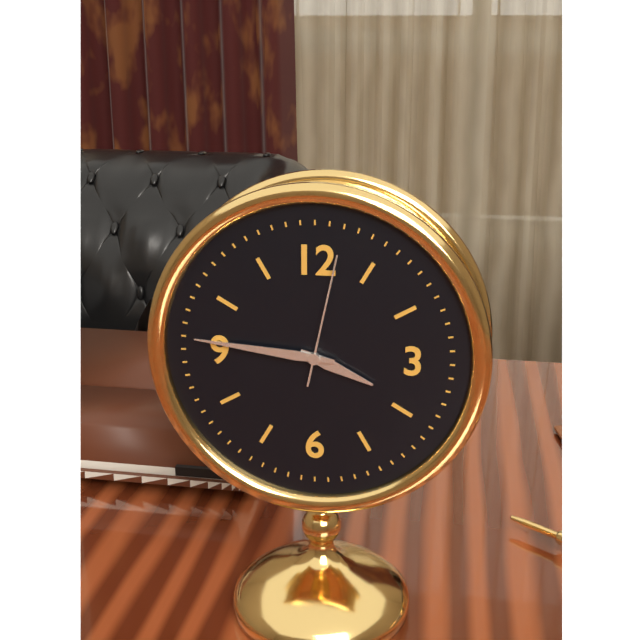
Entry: h=3 m=46 s=2
